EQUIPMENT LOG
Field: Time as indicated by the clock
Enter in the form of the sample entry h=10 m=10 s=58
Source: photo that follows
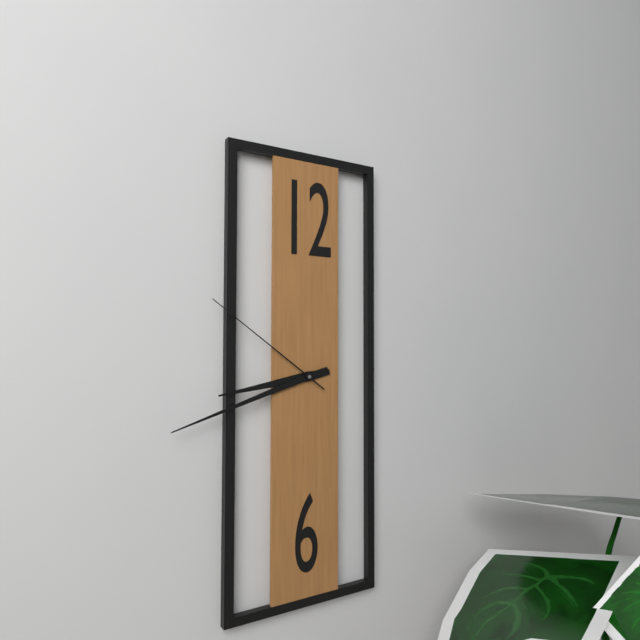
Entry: h=8 m=42 s=51
